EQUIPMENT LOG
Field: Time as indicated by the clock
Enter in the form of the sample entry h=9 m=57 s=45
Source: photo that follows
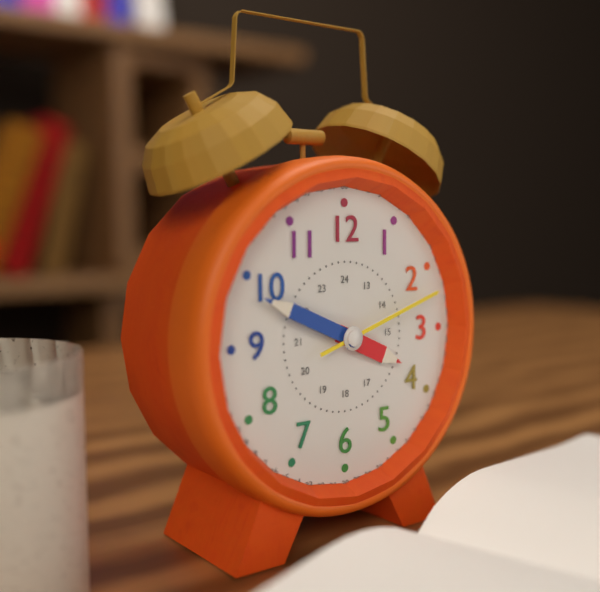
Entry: h=3 m=49 s=12
